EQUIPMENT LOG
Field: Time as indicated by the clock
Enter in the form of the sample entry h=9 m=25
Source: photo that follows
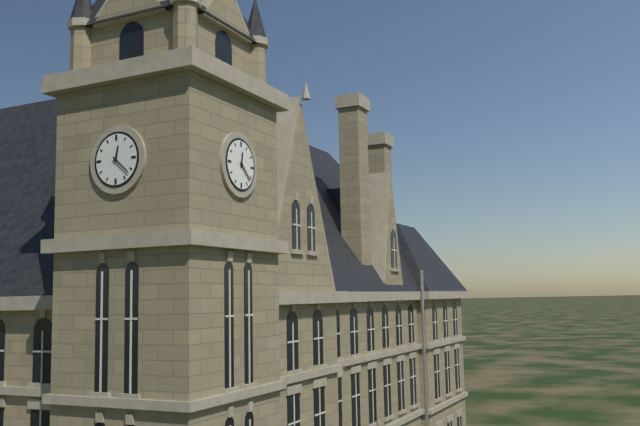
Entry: h=12 m=22
